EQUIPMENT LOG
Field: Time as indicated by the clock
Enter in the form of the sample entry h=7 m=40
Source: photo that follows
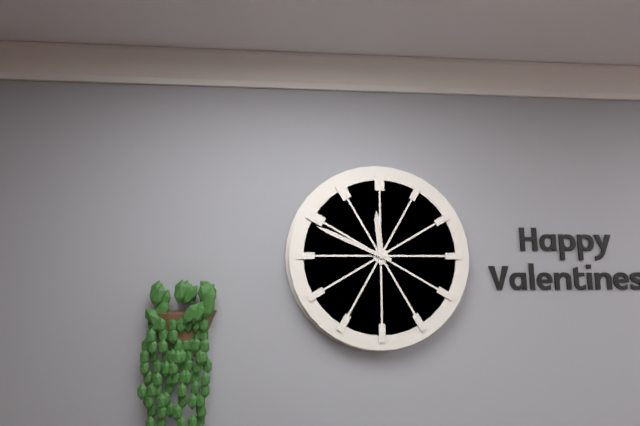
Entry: h=11 m=49
